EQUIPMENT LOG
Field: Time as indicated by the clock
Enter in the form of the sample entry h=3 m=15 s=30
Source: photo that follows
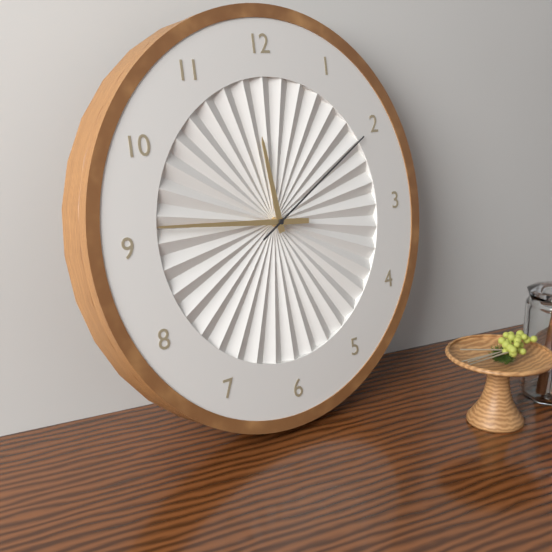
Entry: h=11 m=46 s=10
